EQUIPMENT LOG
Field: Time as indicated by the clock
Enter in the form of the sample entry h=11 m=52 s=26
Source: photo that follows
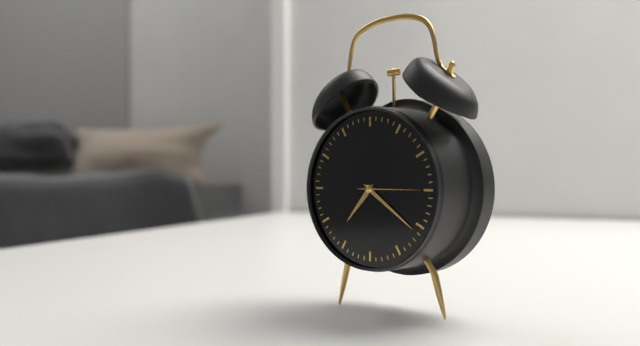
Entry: h=7 m=21 s=15
